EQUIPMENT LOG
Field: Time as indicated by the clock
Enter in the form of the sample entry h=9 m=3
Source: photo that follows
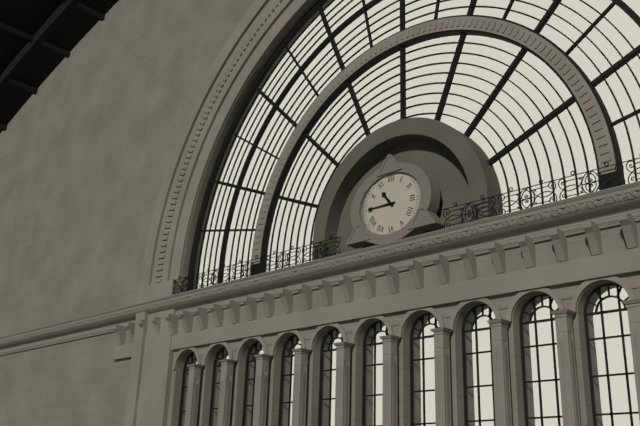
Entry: h=10 m=45
